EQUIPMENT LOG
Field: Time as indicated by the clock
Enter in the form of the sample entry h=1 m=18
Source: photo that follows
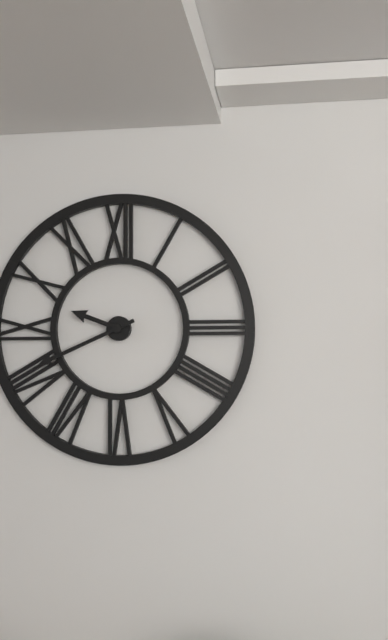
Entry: h=9 m=41
